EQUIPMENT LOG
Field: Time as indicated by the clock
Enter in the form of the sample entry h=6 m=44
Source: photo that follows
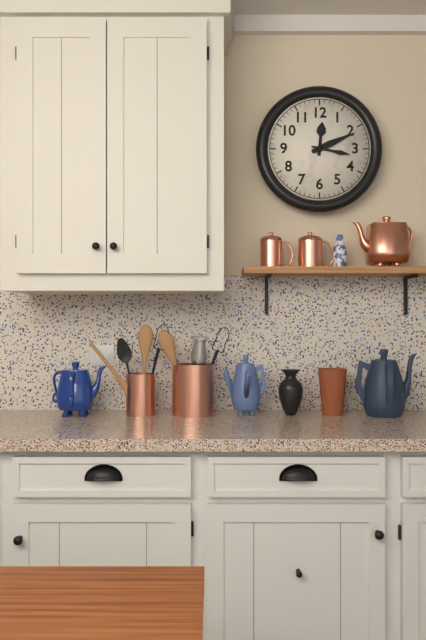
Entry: h=12 m=11
